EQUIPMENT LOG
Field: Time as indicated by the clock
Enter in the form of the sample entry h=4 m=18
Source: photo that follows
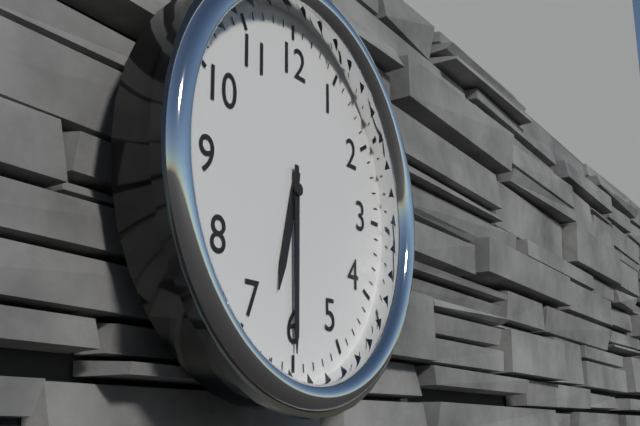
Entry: h=6 m=30
